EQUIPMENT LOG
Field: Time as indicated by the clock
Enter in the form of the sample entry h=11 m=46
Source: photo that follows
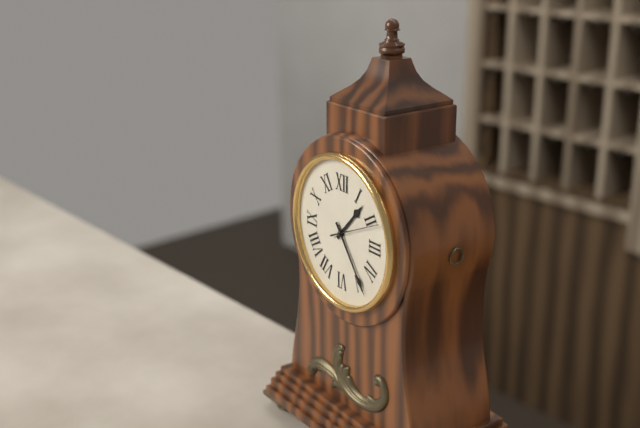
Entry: h=1 m=24
